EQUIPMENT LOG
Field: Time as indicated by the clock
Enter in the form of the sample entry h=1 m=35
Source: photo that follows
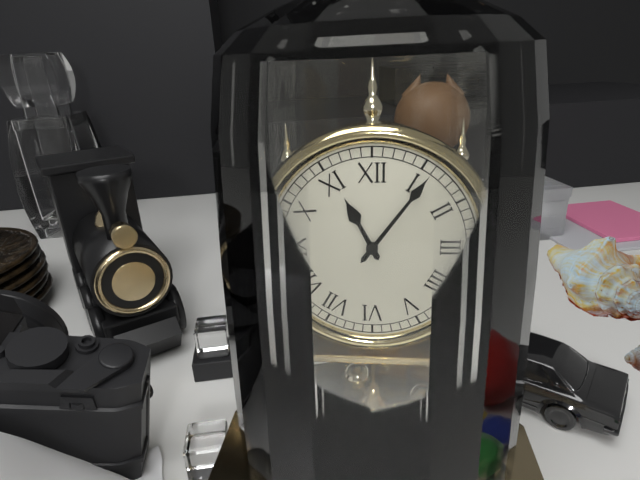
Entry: h=11 m=6
